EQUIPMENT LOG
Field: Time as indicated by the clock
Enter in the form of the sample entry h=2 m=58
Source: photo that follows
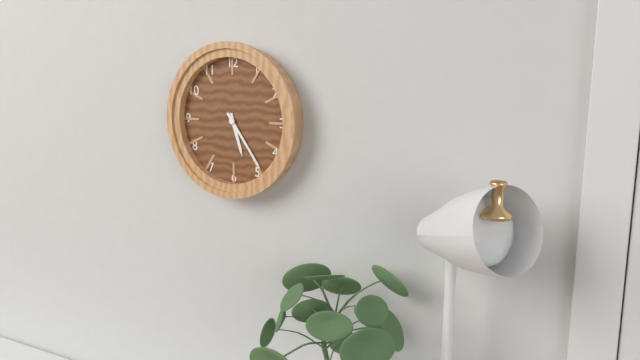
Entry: h=5 m=24
